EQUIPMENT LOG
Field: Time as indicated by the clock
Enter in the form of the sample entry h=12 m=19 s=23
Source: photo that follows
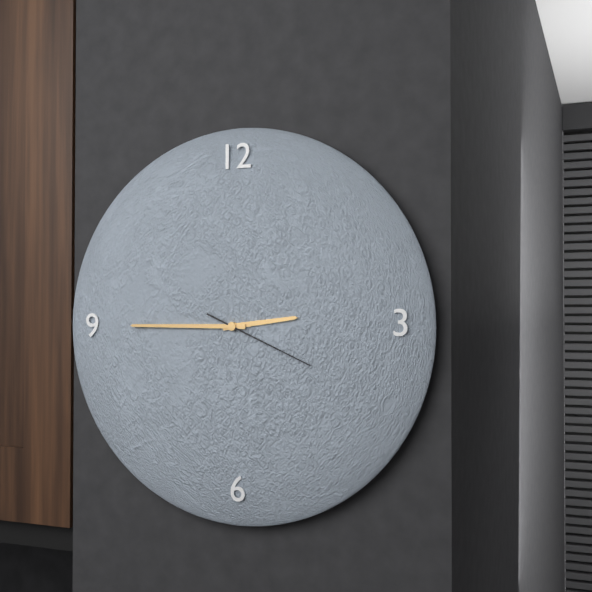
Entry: h=2 m=45 s=19
